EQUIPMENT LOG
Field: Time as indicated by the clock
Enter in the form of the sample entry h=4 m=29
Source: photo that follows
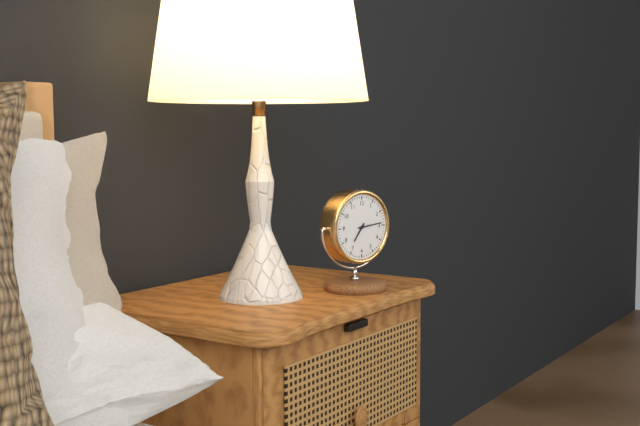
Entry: h=7 m=14
